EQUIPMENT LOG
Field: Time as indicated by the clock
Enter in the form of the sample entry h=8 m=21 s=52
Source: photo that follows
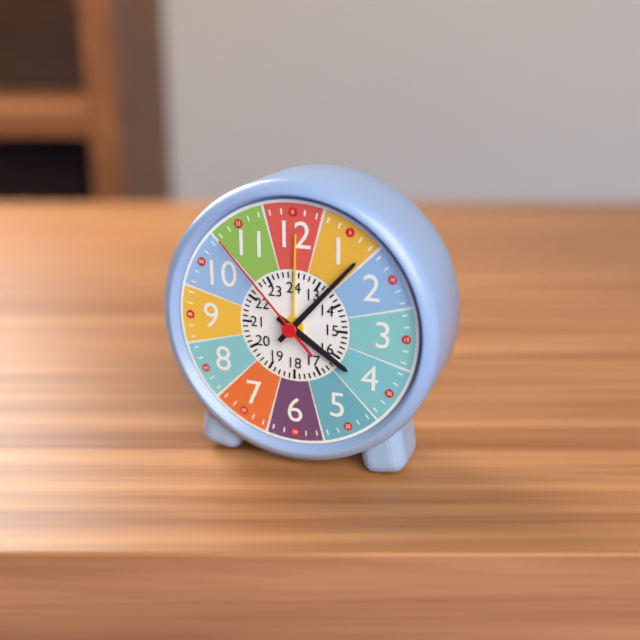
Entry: h=4 m=7 s=53
